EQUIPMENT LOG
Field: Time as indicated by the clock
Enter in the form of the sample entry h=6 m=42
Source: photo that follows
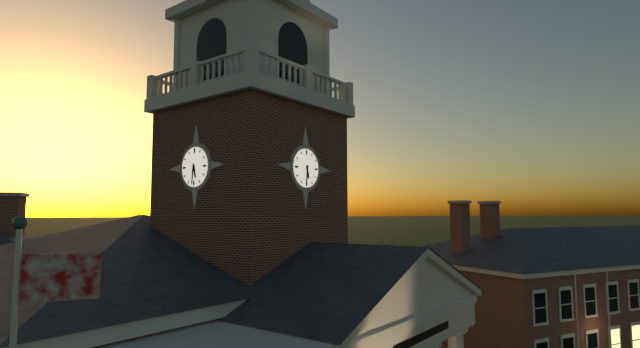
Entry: h=5 m=31
